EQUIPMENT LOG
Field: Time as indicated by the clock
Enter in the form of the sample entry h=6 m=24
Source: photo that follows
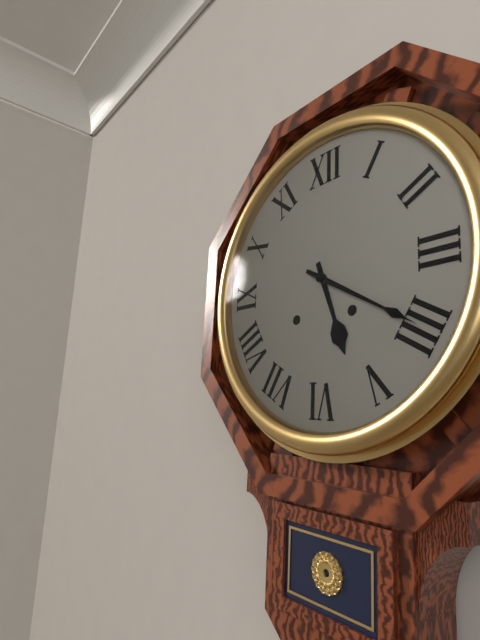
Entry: h=5 m=20
